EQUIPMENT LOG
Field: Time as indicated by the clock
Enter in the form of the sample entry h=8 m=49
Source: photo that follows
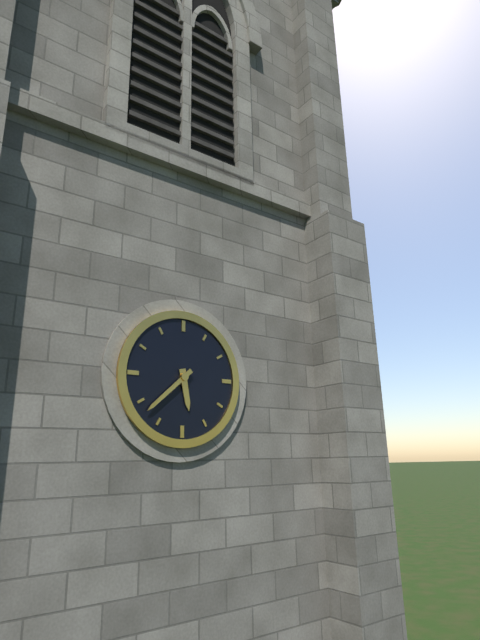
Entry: h=5 m=38
